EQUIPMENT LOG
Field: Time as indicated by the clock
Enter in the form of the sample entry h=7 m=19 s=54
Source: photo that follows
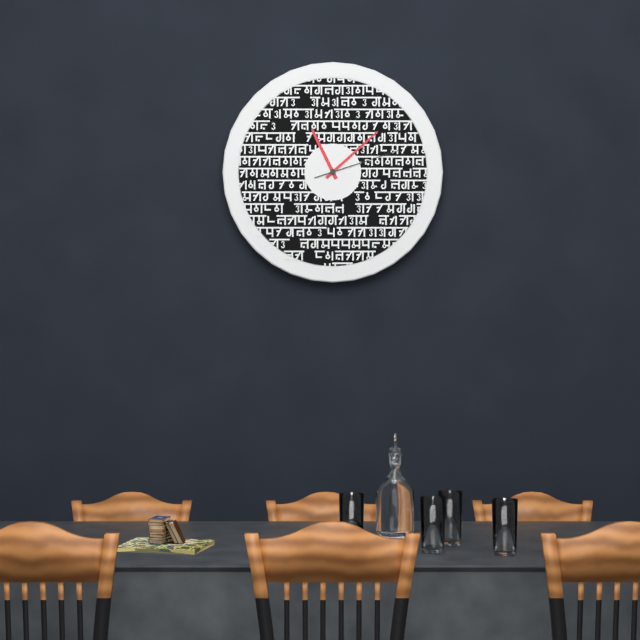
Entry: h=11 m=8 s=12
